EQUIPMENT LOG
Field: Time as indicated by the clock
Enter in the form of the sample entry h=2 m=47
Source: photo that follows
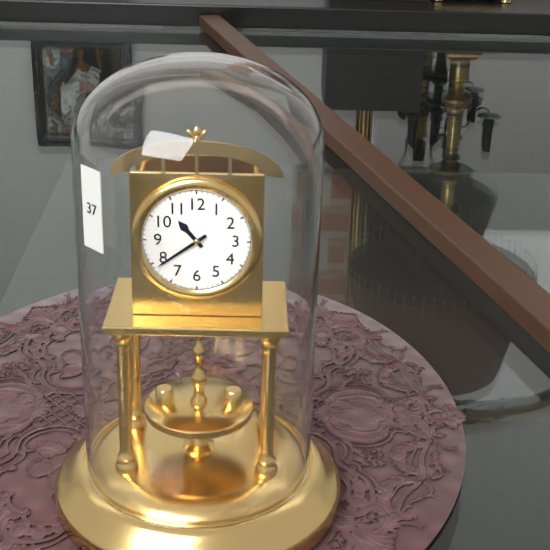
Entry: h=10 m=39
